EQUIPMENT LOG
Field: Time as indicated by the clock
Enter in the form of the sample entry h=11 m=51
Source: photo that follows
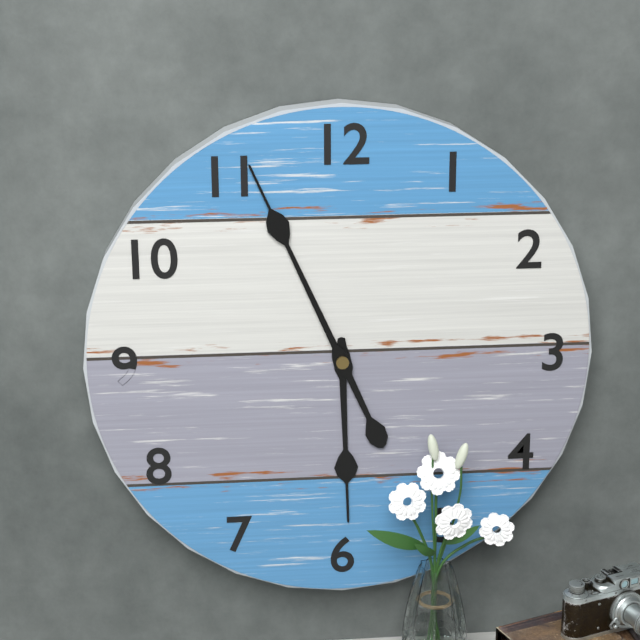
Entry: h=5 m=56
